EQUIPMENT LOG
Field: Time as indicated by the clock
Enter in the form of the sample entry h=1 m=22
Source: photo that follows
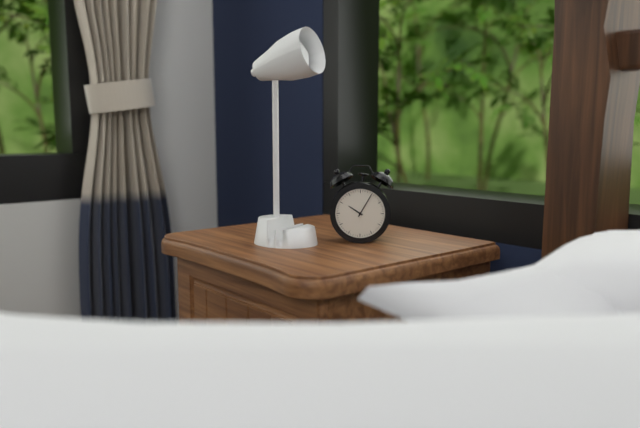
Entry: h=10 m=5
